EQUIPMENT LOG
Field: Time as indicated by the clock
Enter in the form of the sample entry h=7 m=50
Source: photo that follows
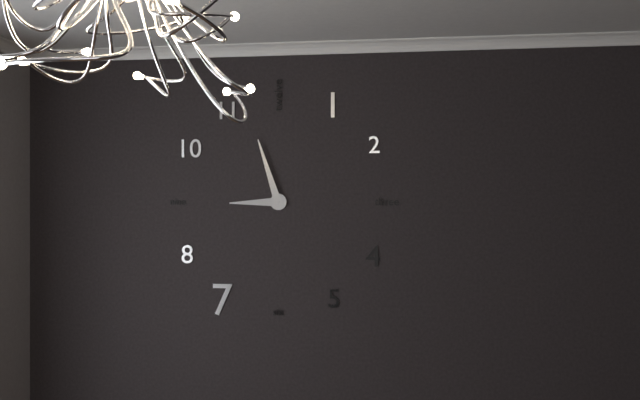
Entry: h=8 m=57
